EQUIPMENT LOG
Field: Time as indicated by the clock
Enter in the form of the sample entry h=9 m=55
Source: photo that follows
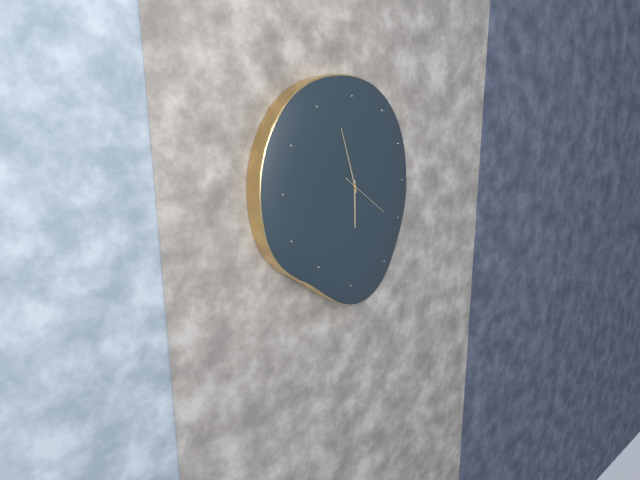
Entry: h=5 m=57
